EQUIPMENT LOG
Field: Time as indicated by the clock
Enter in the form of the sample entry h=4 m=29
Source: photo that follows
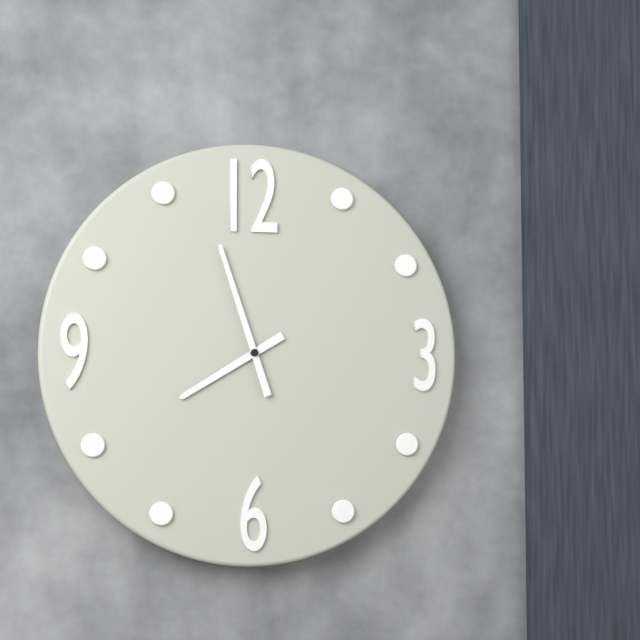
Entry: h=7 m=57
